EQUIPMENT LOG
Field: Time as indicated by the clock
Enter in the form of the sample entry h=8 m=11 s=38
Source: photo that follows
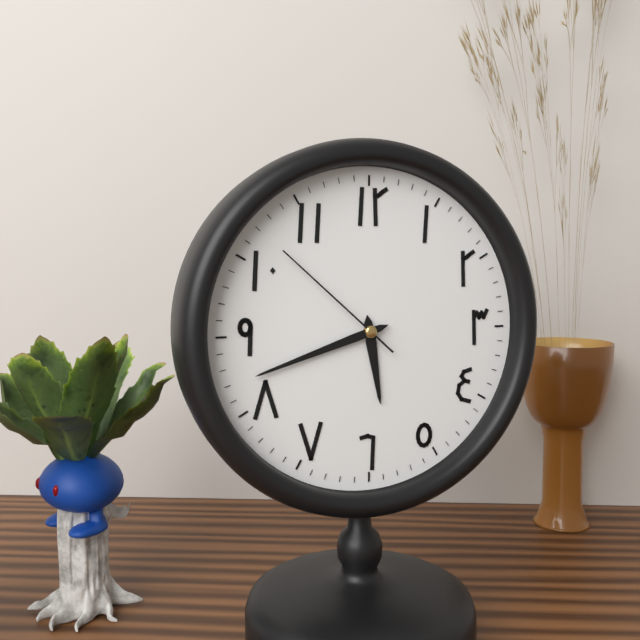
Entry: h=5 m=42 s=52
